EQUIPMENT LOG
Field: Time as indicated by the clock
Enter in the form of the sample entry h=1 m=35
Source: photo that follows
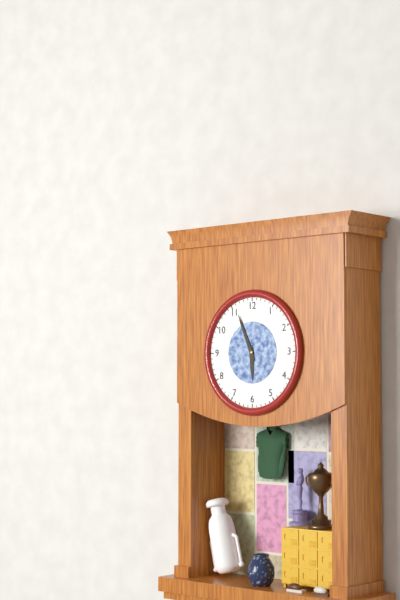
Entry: h=5 m=56
